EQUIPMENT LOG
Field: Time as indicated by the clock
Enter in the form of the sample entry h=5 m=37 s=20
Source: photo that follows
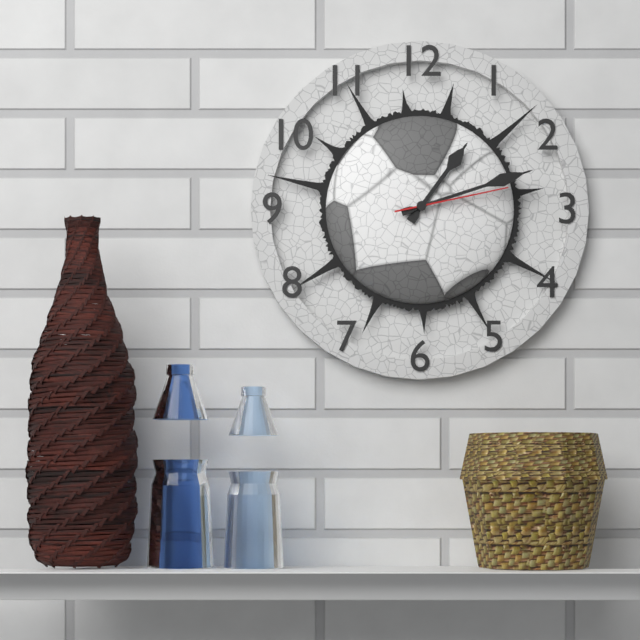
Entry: h=1 m=12 s=13
